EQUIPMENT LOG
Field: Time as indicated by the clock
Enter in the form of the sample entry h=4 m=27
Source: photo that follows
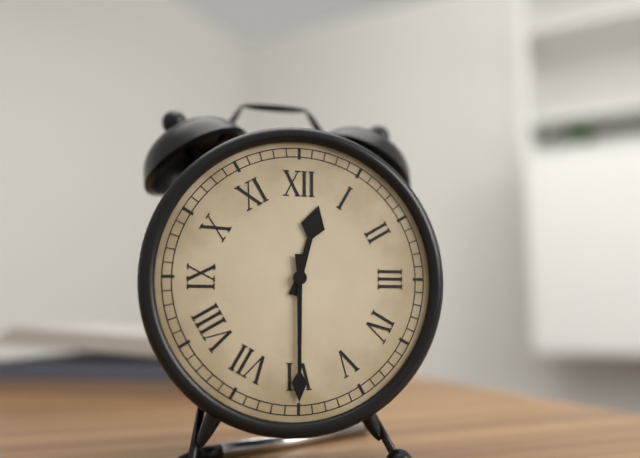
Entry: h=12 m=30
